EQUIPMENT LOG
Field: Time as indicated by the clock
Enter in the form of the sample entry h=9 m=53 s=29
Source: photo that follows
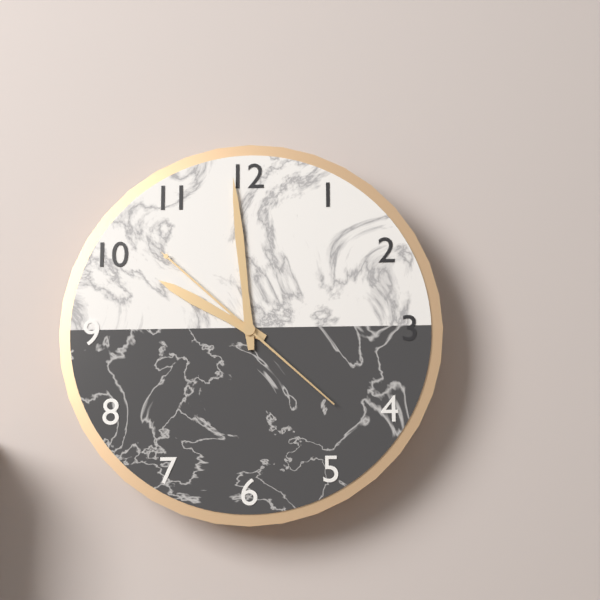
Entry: h=9 m=59 s=52
